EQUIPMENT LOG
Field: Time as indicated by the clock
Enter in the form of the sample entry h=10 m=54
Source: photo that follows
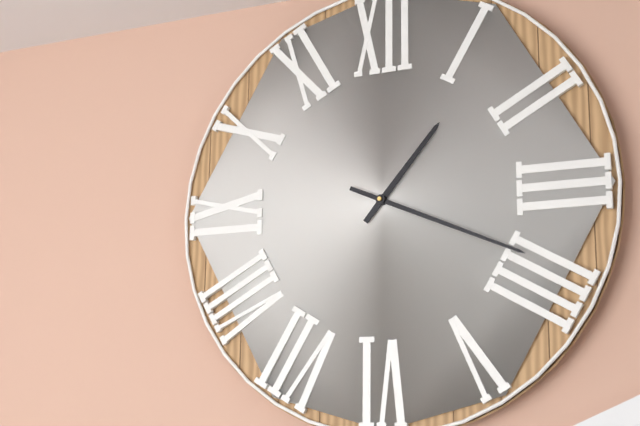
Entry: h=1 m=19
